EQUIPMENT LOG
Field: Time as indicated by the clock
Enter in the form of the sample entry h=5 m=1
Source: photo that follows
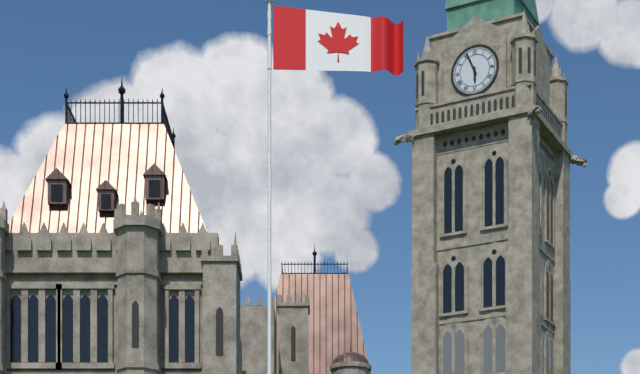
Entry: h=5 m=56
